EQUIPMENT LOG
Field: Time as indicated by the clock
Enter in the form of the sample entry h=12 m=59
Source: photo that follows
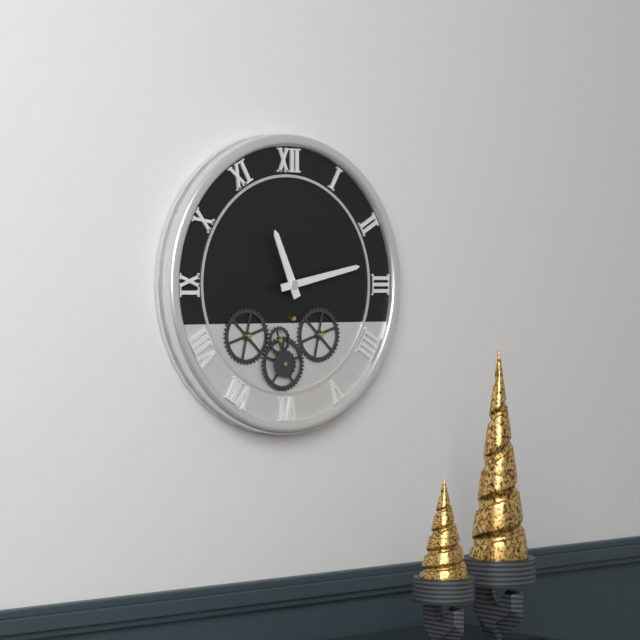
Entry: h=11 m=13
